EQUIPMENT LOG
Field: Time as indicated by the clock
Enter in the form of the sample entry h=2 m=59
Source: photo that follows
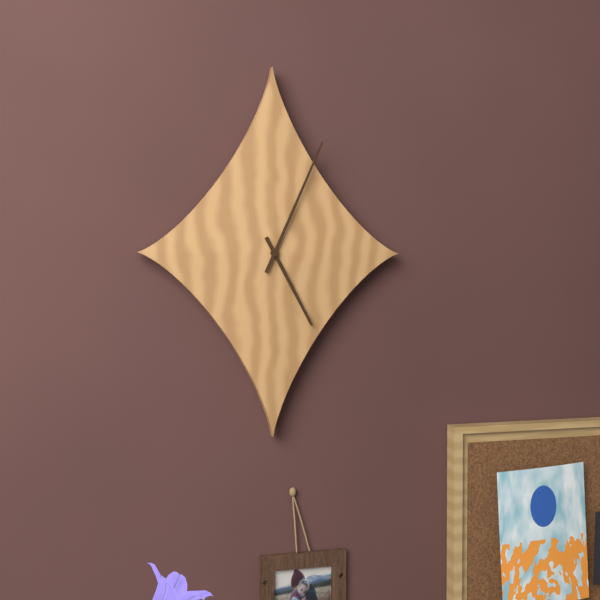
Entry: h=5 m=4
